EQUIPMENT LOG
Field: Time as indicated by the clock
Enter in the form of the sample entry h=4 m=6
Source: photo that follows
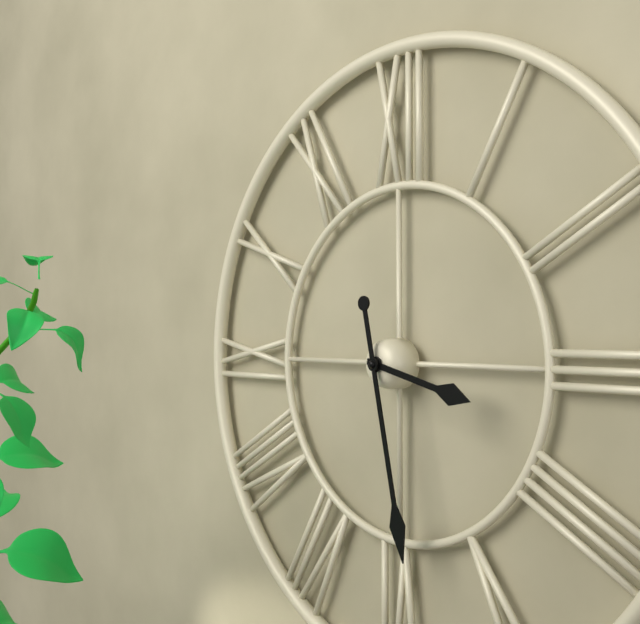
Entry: h=3 m=28
